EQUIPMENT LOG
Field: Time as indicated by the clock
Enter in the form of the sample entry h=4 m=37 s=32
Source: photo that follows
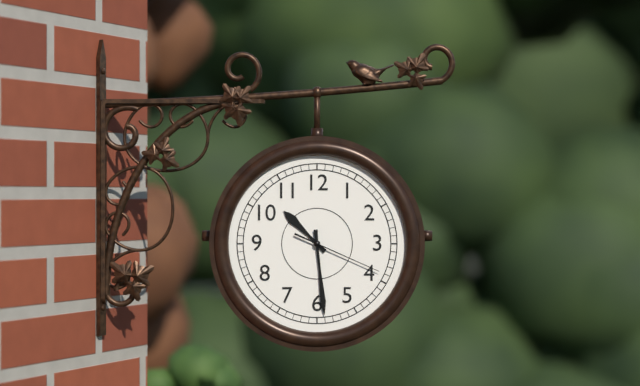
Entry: h=10 m=29 s=19
